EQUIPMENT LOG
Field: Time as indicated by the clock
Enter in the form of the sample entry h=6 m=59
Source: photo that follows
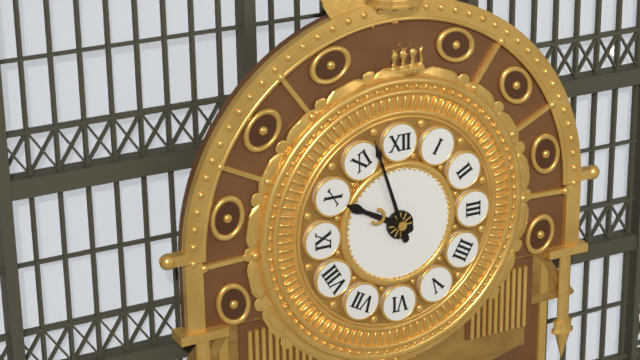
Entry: h=9 m=57
